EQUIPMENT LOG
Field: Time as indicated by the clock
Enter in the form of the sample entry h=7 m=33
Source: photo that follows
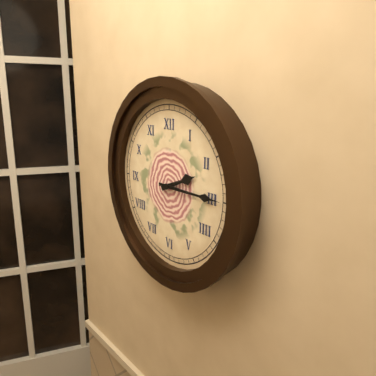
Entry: h=2 m=15
